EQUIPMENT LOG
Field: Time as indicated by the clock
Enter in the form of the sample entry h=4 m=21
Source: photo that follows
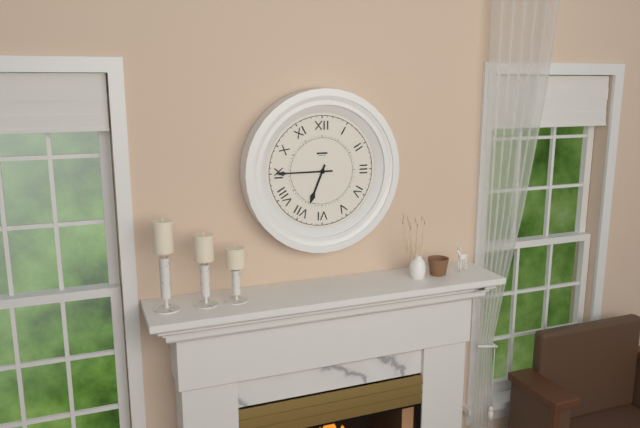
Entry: h=6 m=45
